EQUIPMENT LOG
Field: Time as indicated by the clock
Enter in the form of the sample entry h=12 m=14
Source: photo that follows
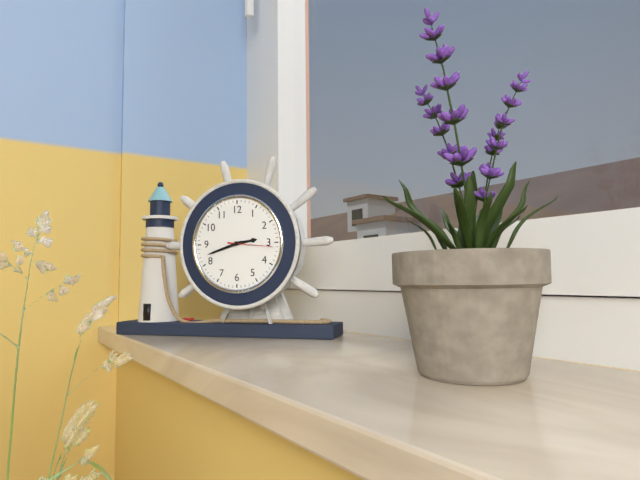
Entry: h=2 m=42
